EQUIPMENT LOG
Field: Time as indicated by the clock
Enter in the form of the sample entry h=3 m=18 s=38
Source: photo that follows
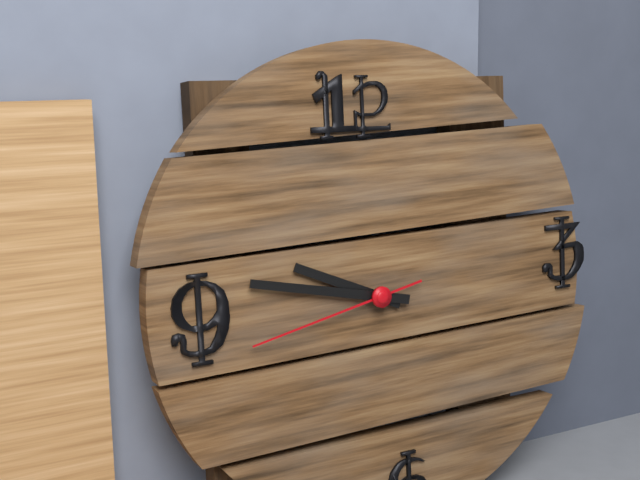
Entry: h=9 m=47 s=43
